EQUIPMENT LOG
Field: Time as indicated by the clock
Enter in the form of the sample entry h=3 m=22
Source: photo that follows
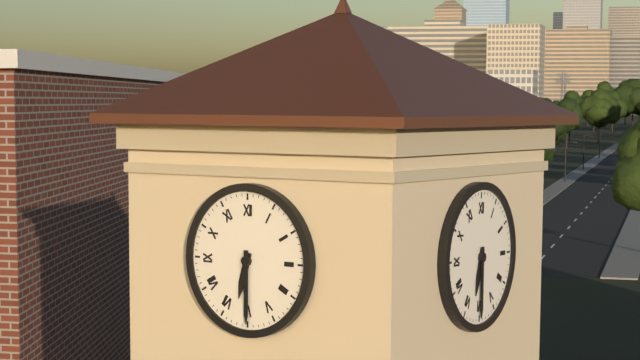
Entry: h=6 m=30
